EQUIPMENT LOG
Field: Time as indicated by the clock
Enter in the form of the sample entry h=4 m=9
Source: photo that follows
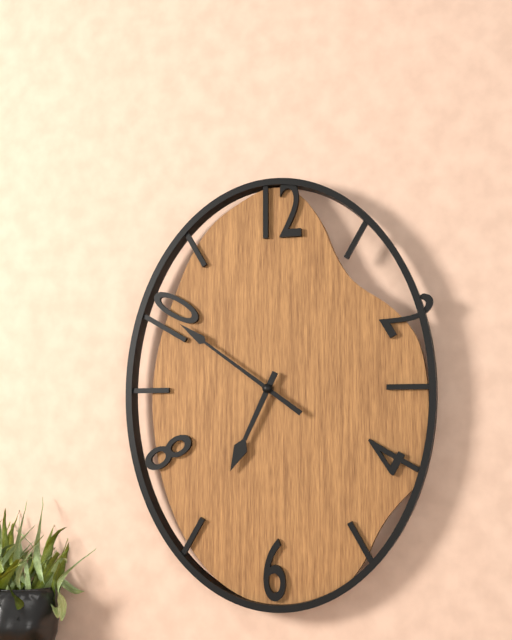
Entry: h=6 m=51
